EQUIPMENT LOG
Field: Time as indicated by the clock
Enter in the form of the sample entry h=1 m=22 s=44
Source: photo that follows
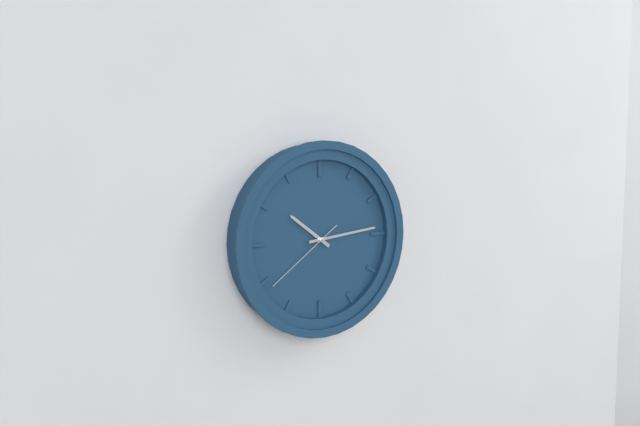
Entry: h=10 m=14 s=39
